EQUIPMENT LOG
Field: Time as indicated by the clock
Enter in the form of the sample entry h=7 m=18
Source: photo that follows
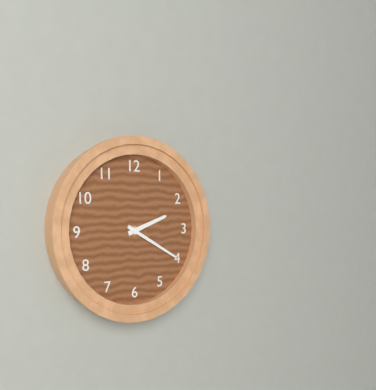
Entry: h=2 m=20
